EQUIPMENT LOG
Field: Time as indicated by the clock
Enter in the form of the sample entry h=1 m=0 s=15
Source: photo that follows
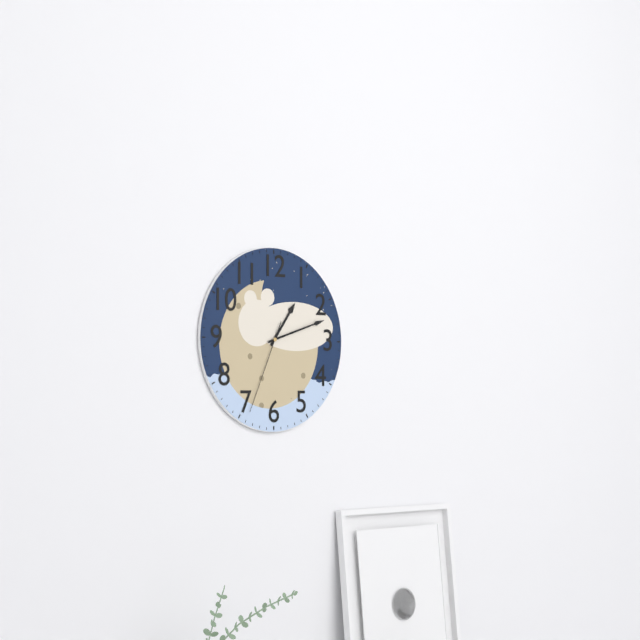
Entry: h=1 m=12 s=34
